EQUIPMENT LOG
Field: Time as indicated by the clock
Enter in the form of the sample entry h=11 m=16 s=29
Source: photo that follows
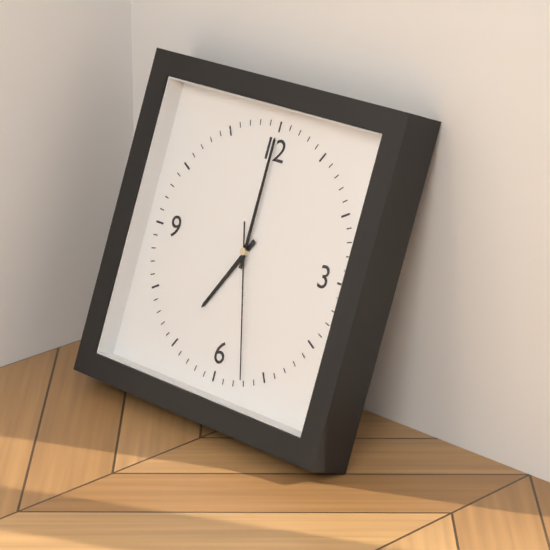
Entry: h=7 m=0 s=27
